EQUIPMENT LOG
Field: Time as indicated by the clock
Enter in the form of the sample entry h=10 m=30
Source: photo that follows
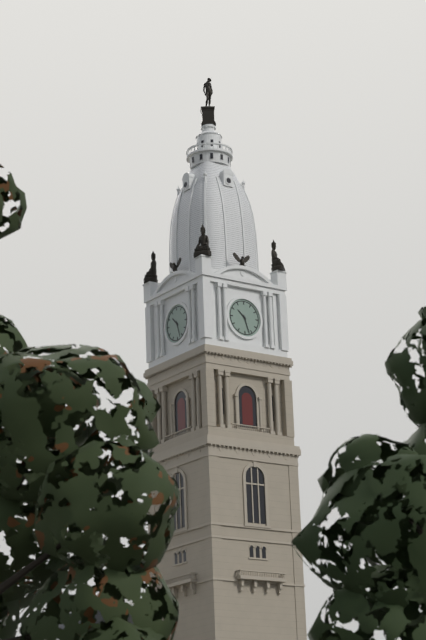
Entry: h=10 m=27
